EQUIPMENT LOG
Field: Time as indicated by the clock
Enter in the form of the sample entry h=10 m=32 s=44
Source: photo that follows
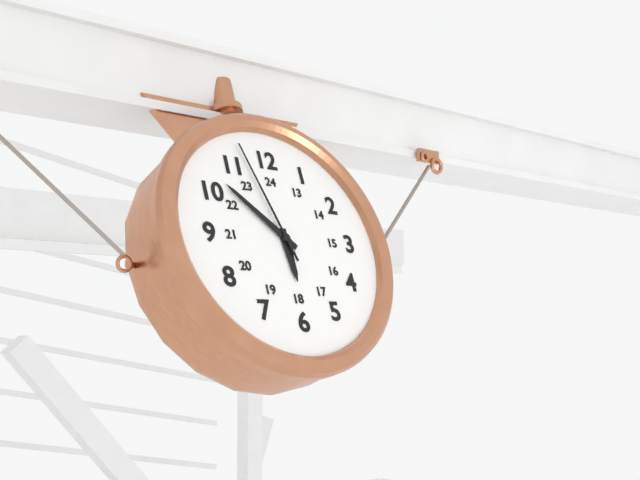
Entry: h=5 m=52 s=57
